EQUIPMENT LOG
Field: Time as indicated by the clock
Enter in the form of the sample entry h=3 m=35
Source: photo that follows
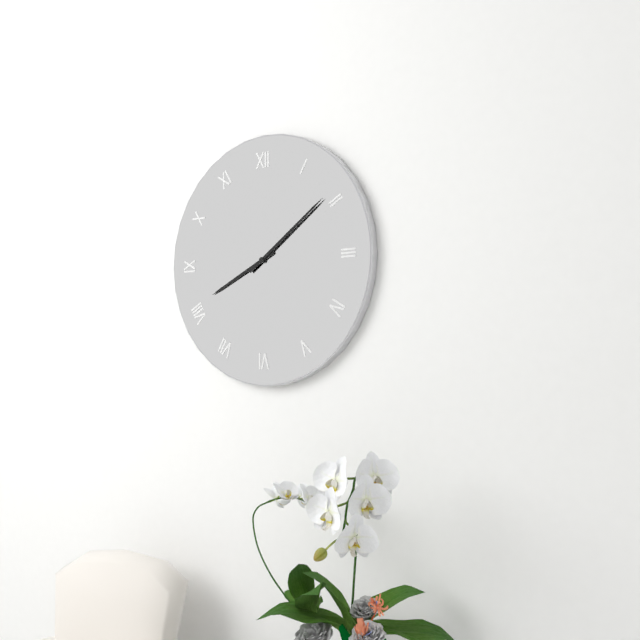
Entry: h=8 m=9
